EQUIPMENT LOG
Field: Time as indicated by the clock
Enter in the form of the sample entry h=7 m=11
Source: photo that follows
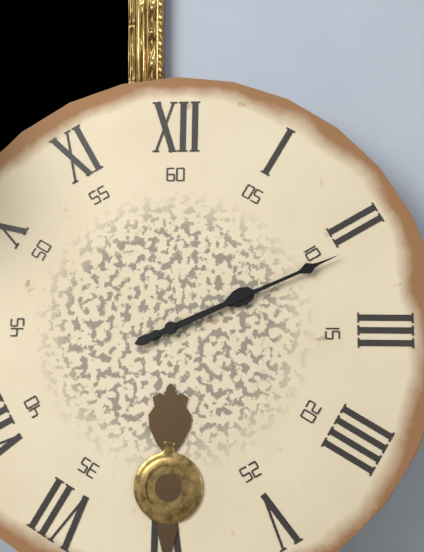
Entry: h=2 m=11
